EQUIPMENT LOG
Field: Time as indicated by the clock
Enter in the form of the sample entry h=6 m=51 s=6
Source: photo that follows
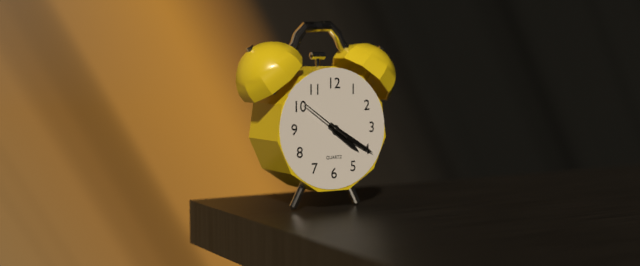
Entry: h=4 m=20 s=51
